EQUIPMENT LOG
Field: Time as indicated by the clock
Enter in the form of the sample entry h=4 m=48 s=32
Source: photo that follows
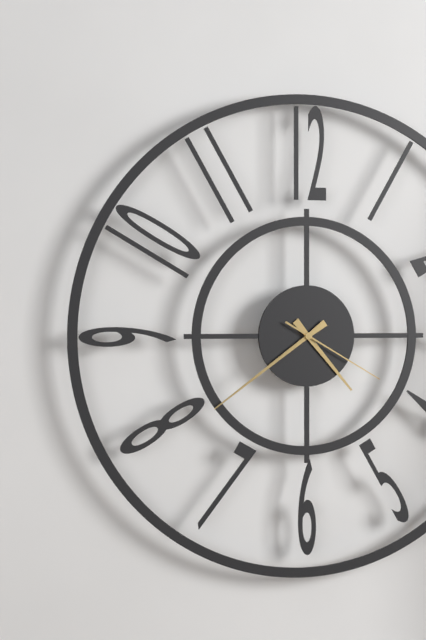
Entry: h=4 m=39 s=20
